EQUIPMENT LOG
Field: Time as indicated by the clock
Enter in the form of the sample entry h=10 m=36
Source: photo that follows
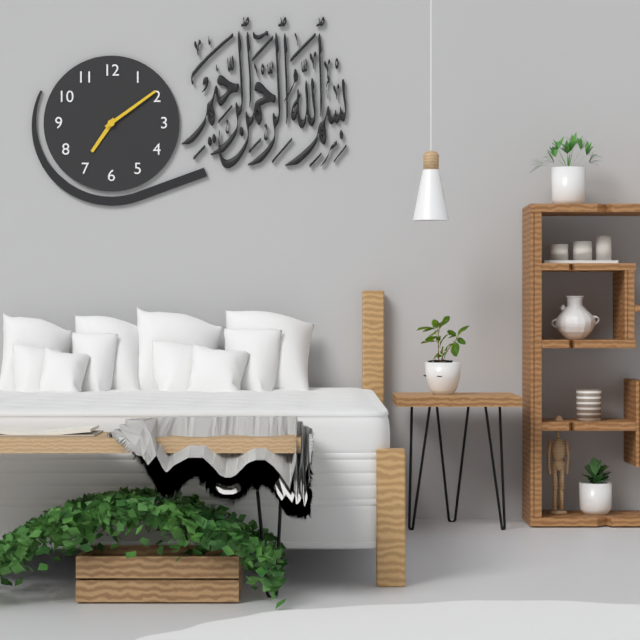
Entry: h=7 m=9
